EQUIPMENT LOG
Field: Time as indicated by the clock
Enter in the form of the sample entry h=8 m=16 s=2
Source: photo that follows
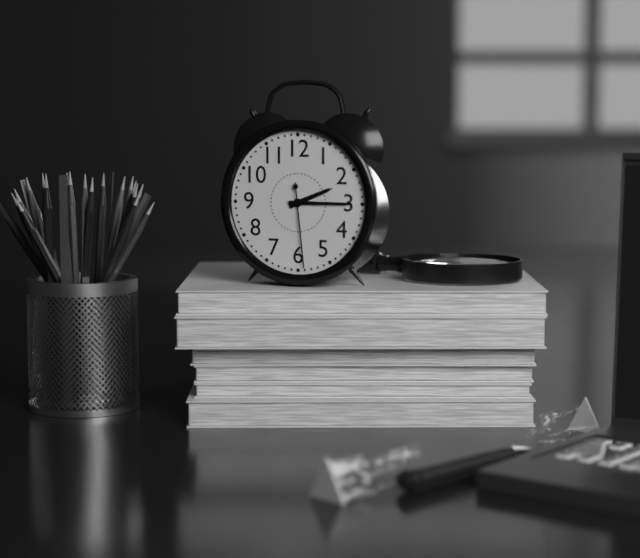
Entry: h=2 m=15 s=29
